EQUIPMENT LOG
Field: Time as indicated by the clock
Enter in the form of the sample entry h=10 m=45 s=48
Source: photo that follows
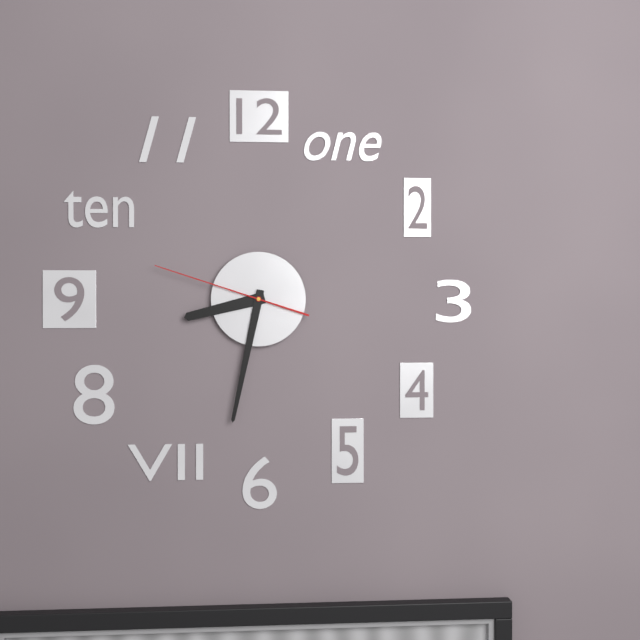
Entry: h=8 m=32 s=48
